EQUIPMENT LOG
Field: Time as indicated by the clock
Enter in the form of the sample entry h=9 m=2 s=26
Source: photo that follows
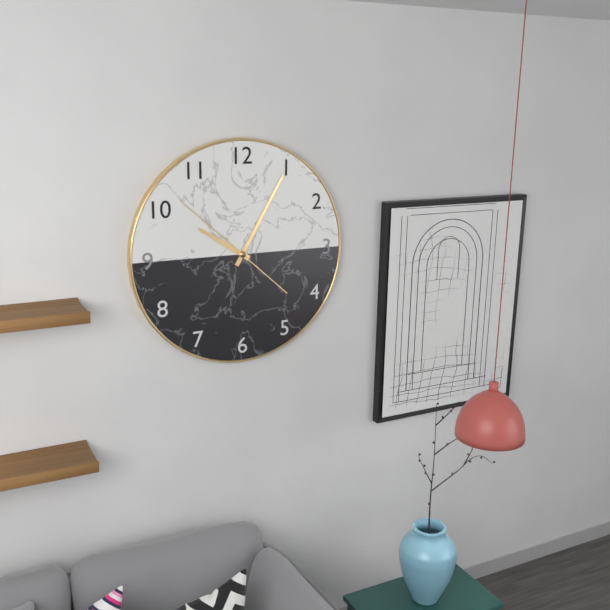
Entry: h=10 m=5 s=52
